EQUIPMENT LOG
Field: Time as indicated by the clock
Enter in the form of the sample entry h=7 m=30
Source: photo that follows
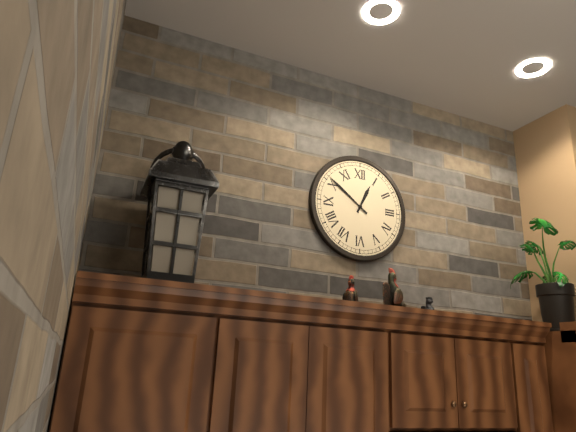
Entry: h=12 m=51
